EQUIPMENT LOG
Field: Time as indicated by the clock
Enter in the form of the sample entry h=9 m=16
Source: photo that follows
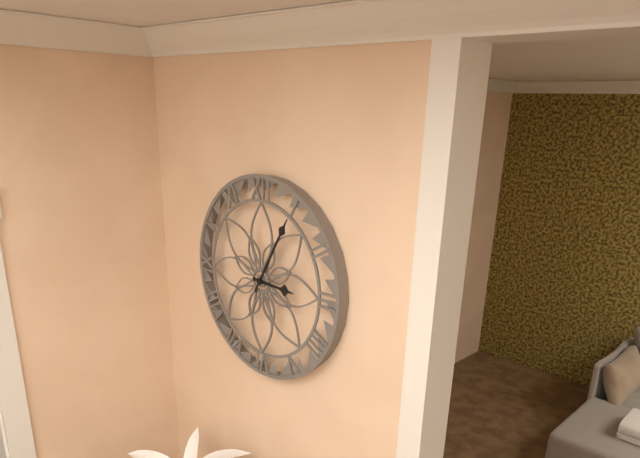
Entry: h=3 m=5
